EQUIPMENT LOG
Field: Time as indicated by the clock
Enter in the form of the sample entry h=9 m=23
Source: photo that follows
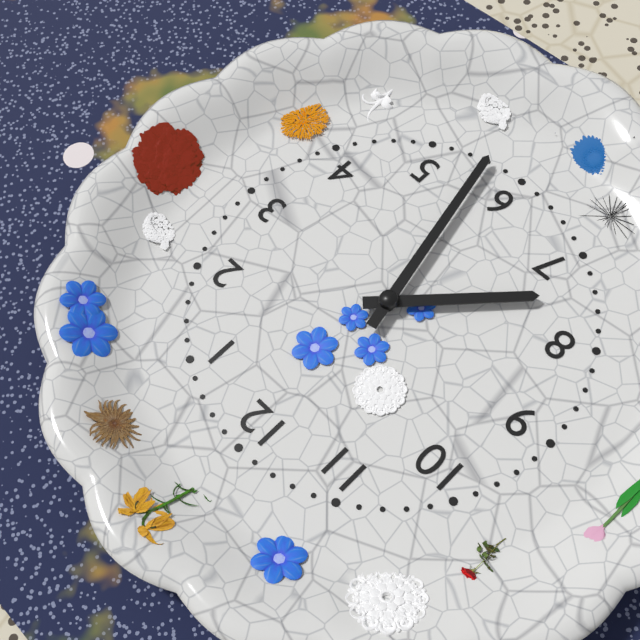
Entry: h=7 m=28
